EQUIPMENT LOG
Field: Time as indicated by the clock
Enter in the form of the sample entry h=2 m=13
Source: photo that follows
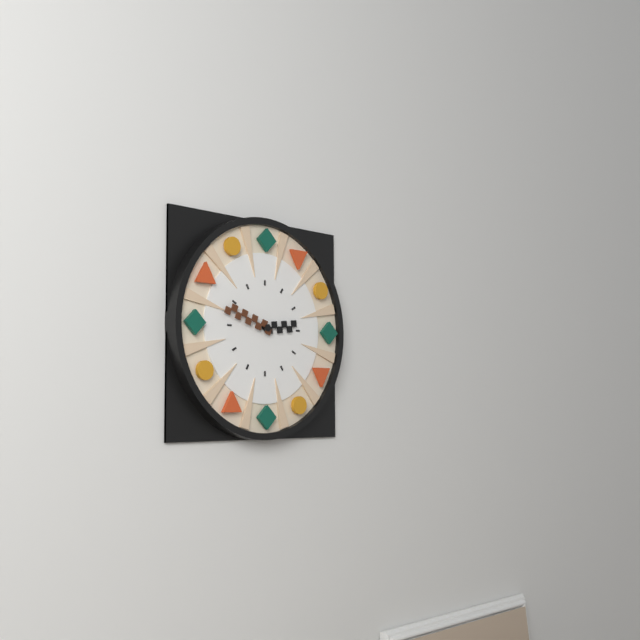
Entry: h=2 m=48
